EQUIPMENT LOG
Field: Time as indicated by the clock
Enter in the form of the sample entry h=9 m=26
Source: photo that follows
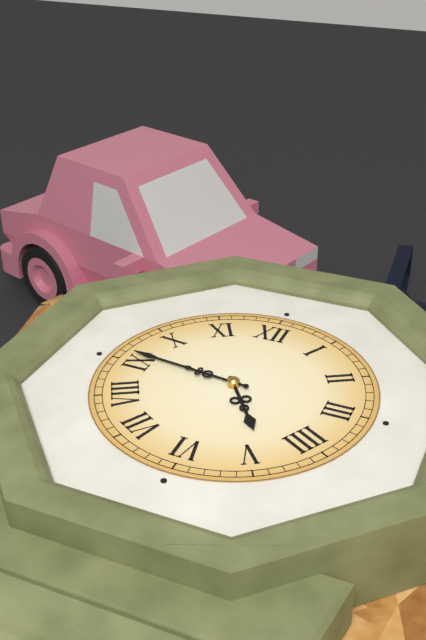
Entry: h=4 m=46
